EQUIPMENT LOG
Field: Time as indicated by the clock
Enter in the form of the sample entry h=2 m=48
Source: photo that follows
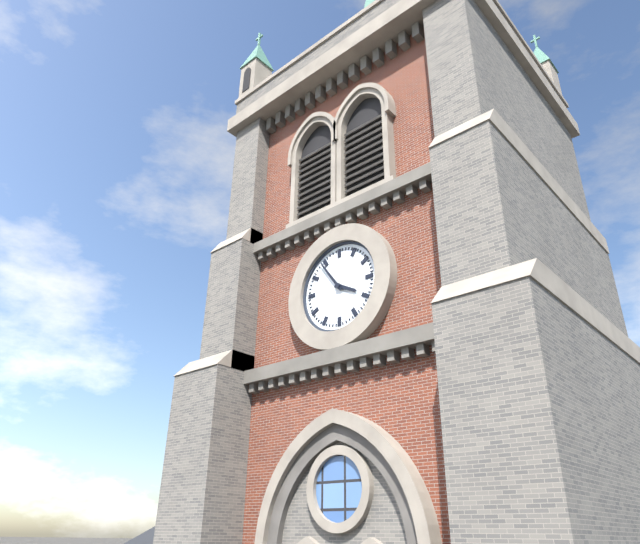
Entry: h=3 m=54
